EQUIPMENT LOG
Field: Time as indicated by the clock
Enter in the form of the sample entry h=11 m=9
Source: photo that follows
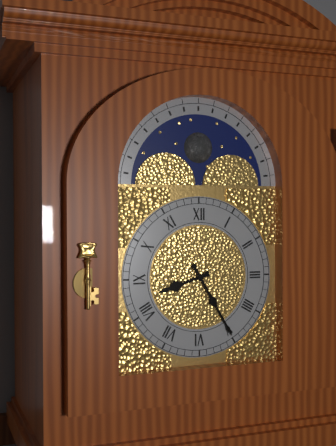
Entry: h=8 m=25
